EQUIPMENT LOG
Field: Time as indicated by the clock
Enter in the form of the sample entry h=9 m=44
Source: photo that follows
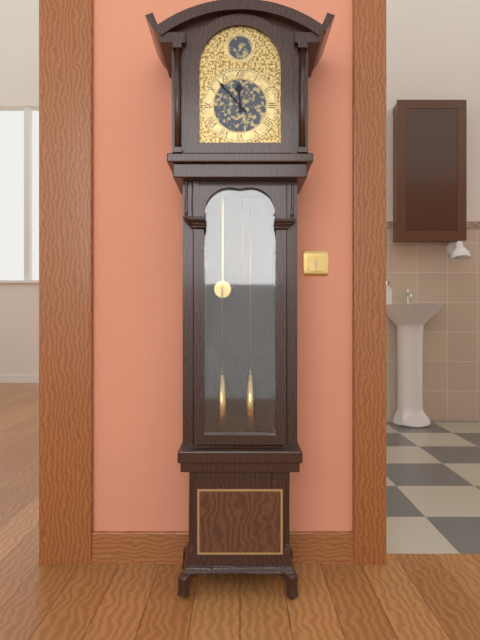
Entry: h=11 m=53
